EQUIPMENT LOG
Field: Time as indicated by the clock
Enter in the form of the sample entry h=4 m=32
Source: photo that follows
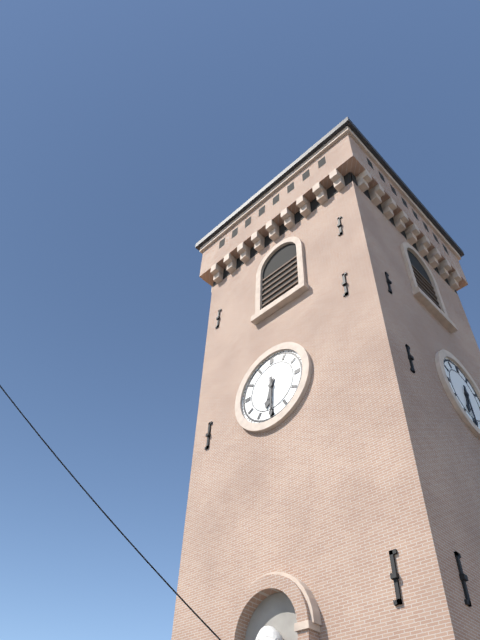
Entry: h=6 m=30
